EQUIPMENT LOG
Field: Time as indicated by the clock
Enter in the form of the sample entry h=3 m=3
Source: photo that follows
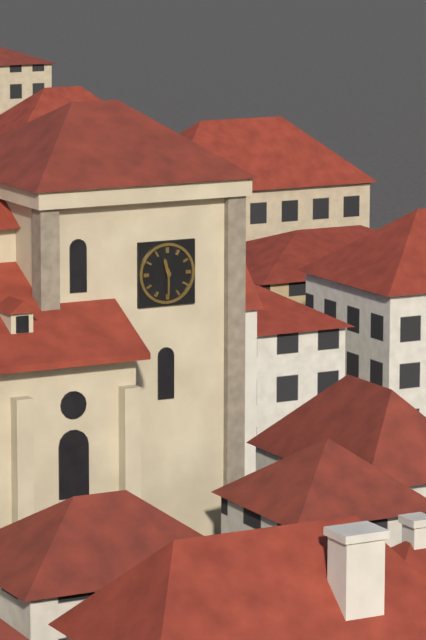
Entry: h=11 m=30
